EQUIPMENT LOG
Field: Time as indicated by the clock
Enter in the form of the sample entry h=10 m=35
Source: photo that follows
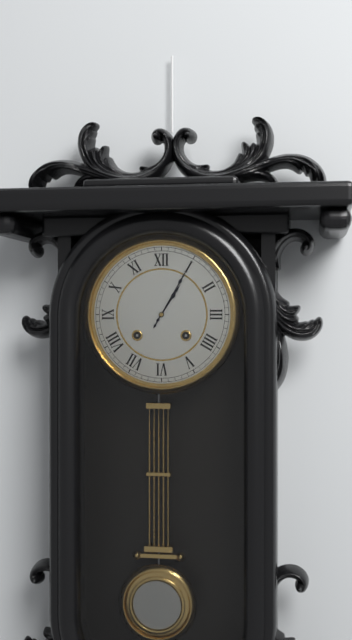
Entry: h=1 m=5
